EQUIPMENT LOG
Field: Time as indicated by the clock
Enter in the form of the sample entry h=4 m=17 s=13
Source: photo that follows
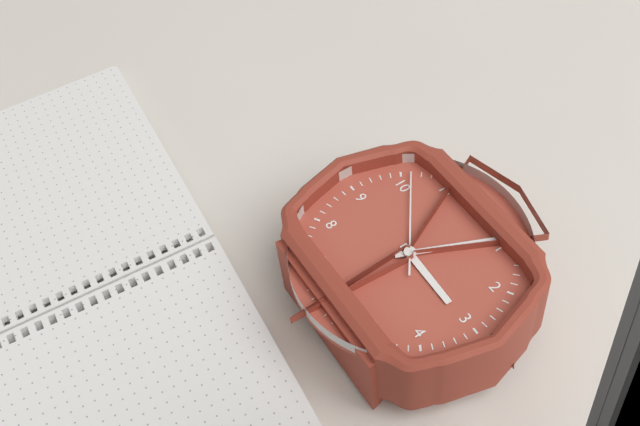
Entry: h=3 m=4 s=51
